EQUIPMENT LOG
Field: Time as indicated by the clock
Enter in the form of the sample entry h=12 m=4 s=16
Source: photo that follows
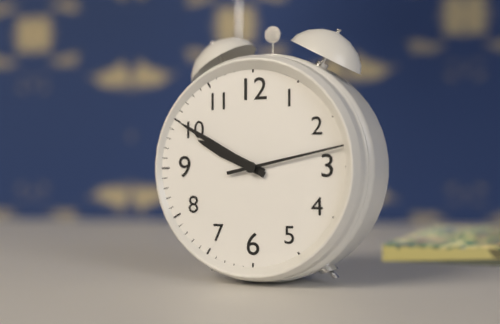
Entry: h=9 m=50 s=13
